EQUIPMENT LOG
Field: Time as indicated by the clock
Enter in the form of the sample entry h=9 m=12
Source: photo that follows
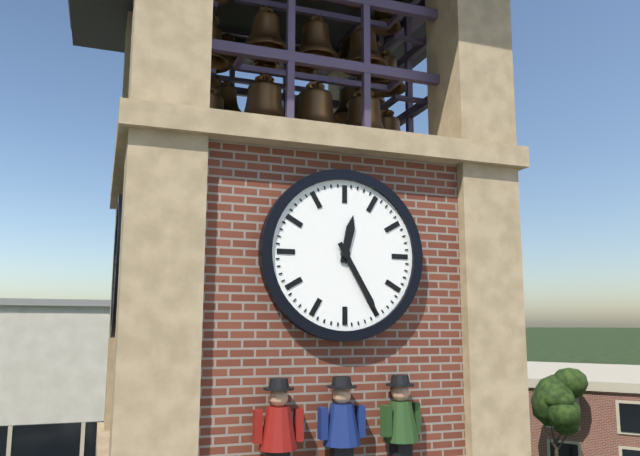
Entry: h=12 m=25
